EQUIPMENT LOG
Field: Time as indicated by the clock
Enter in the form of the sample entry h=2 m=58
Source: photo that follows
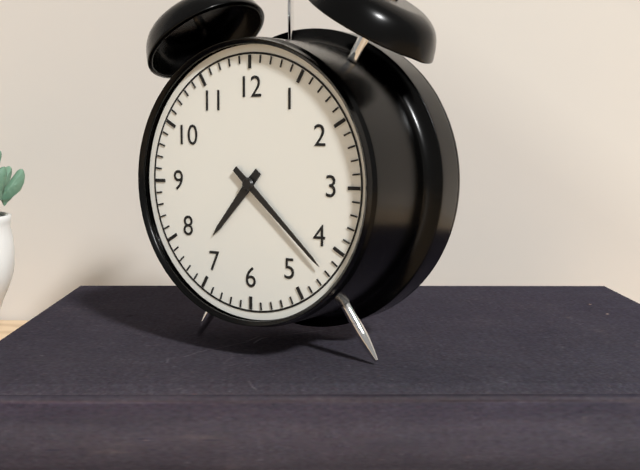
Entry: h=7 m=22
